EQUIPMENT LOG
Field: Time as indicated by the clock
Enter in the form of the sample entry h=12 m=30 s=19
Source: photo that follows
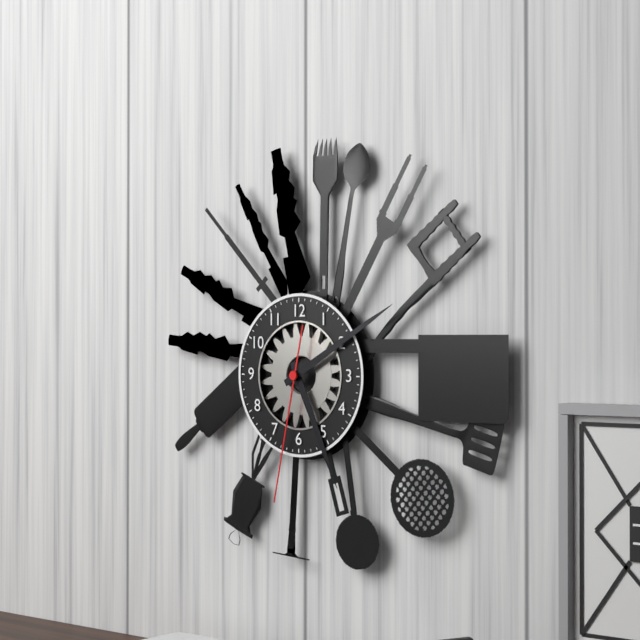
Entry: h=5 m=10 s=32
